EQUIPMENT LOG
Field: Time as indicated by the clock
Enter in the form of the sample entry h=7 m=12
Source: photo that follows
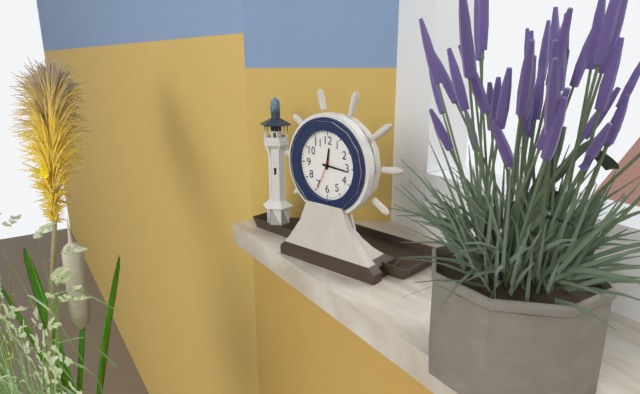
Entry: h=12 m=16
